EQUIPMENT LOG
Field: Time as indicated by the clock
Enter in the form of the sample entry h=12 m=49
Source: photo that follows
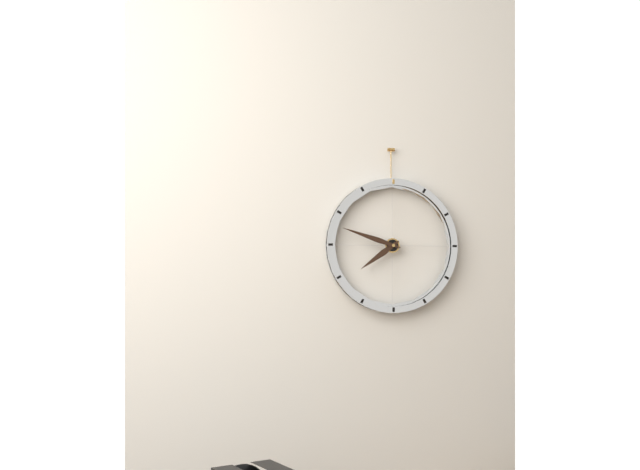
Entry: h=7 m=48
